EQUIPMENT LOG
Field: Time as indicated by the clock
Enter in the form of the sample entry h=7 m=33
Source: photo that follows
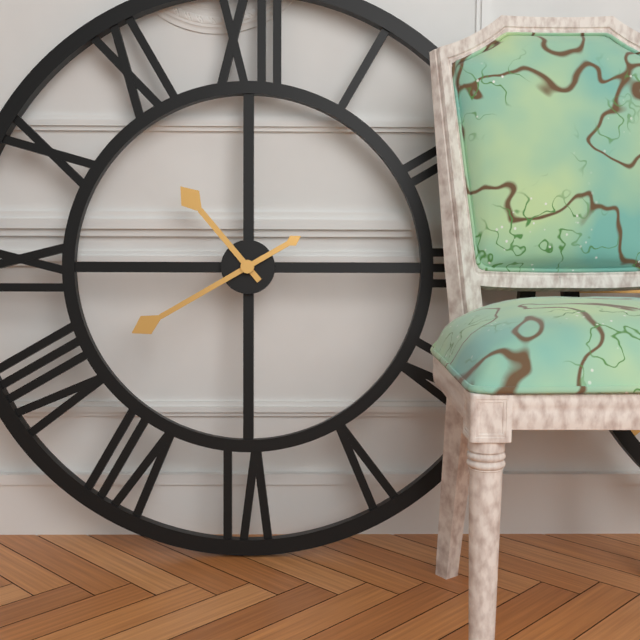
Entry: h=10 m=40
